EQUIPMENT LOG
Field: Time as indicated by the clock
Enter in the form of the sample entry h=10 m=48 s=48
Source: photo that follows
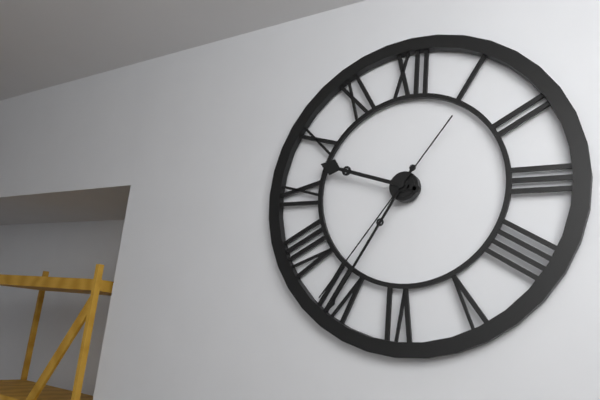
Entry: h=9 m=35 s=36
